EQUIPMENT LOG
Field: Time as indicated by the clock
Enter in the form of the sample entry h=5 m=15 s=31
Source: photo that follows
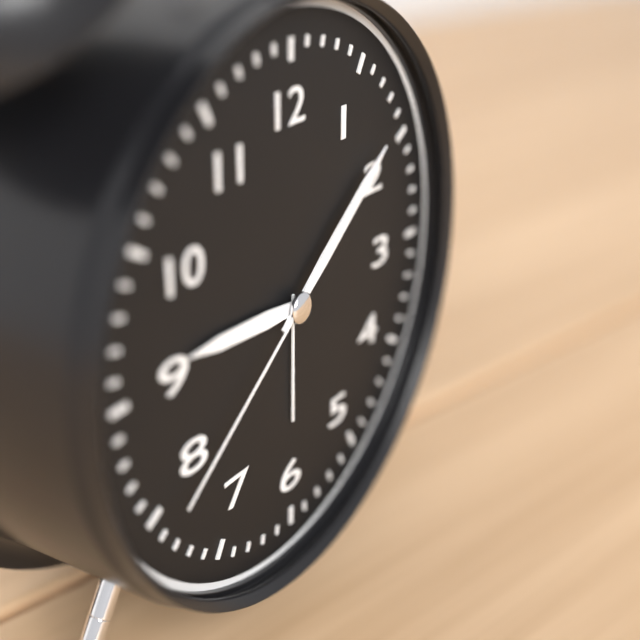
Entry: h=9 m=9 s=39
